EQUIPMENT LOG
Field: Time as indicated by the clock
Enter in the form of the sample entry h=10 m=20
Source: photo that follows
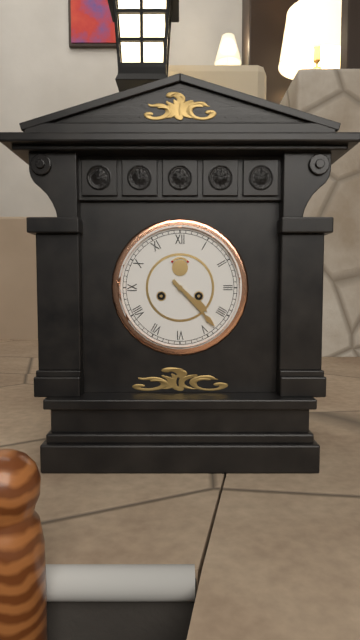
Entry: h=4 m=23
